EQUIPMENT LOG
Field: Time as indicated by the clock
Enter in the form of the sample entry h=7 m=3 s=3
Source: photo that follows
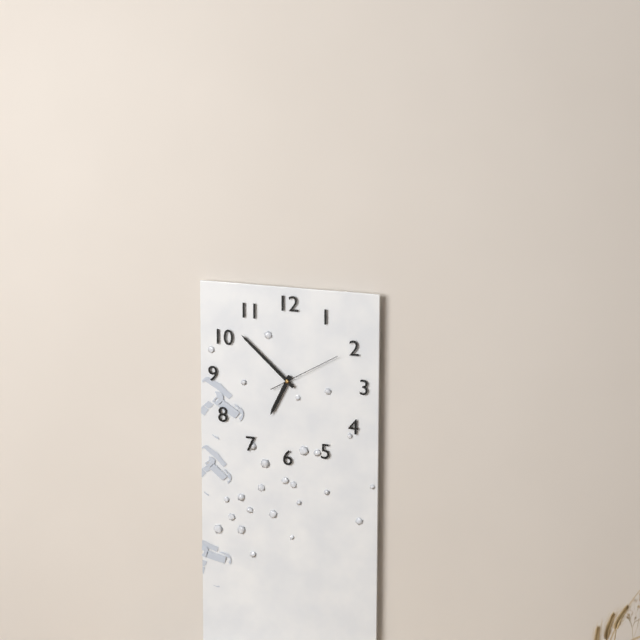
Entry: h=6 m=52 s=10
